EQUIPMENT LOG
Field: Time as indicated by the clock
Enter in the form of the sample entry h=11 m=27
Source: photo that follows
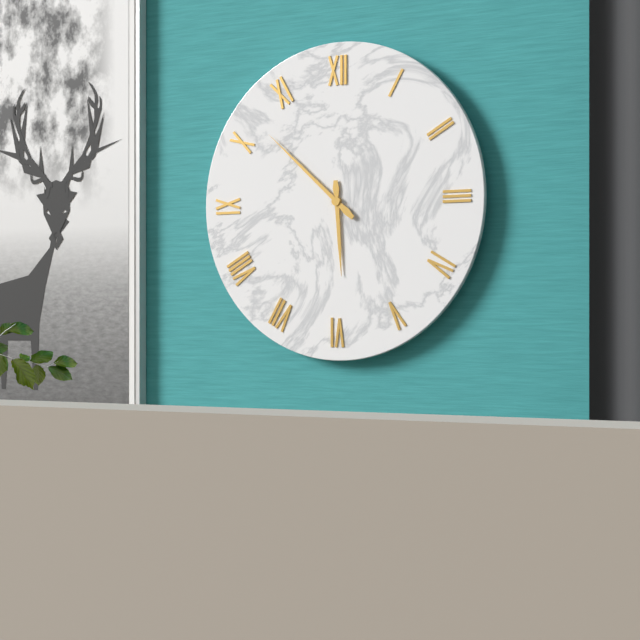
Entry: h=5 m=52
